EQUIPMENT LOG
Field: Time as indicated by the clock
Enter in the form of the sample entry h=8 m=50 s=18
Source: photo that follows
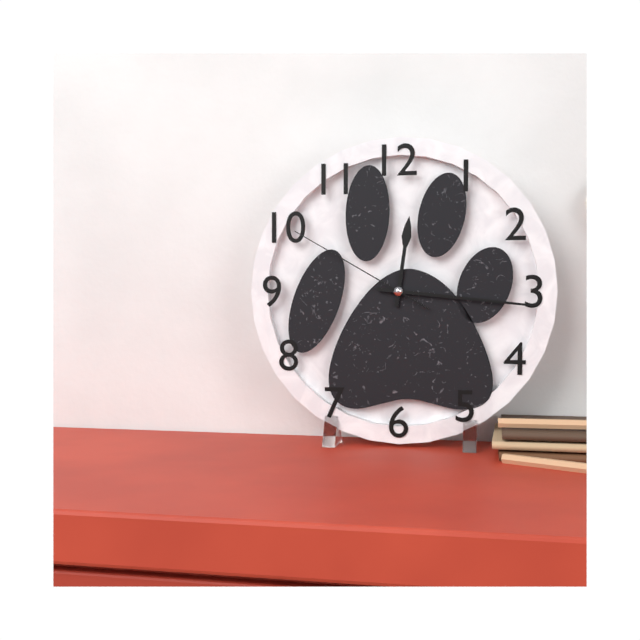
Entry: h=12 m=16 s=50
